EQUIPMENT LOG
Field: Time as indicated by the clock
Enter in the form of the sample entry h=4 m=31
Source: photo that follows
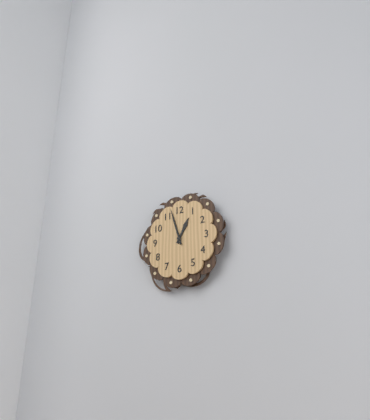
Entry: h=12 m=57
